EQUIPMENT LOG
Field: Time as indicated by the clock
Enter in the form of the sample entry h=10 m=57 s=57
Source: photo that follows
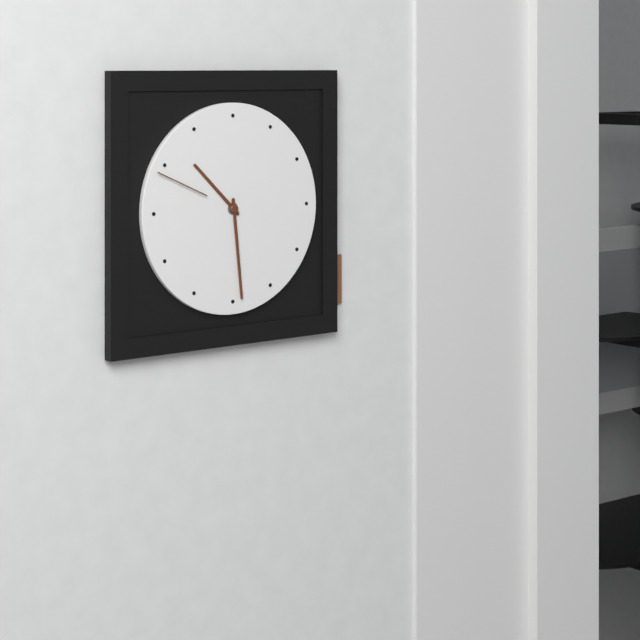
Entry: h=10 m=29 s=49
